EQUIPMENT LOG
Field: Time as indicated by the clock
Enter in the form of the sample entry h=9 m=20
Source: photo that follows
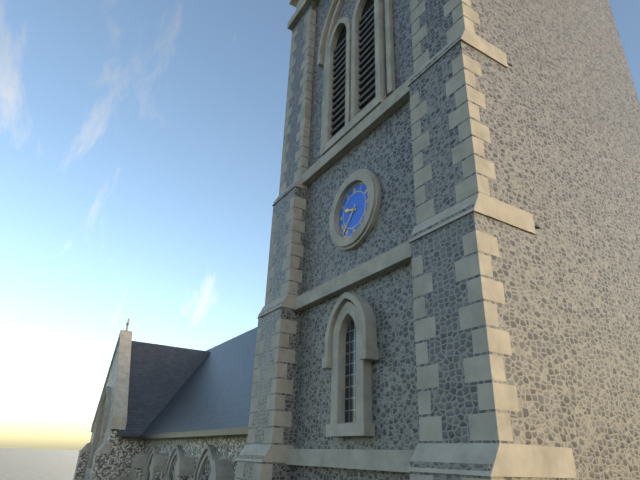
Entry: h=9 m=37
